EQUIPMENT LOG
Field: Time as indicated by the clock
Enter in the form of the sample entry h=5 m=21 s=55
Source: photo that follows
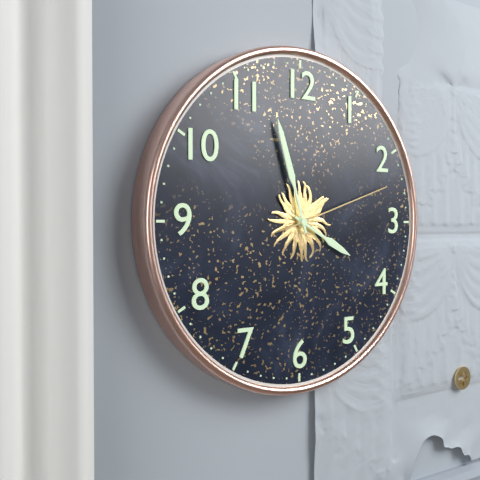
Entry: h=3 m=57 s=12
